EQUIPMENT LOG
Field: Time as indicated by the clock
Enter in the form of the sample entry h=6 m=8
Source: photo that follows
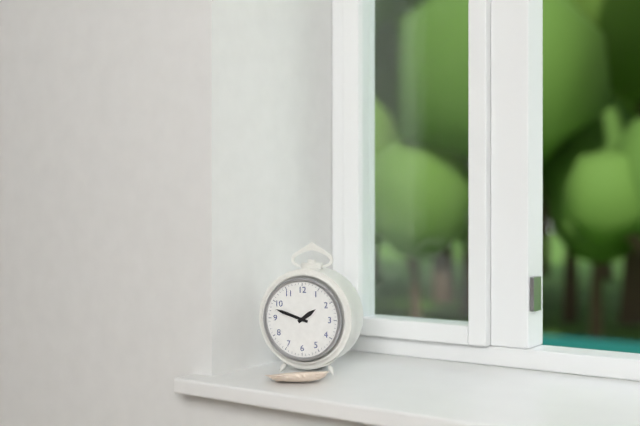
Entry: h=1 m=48
